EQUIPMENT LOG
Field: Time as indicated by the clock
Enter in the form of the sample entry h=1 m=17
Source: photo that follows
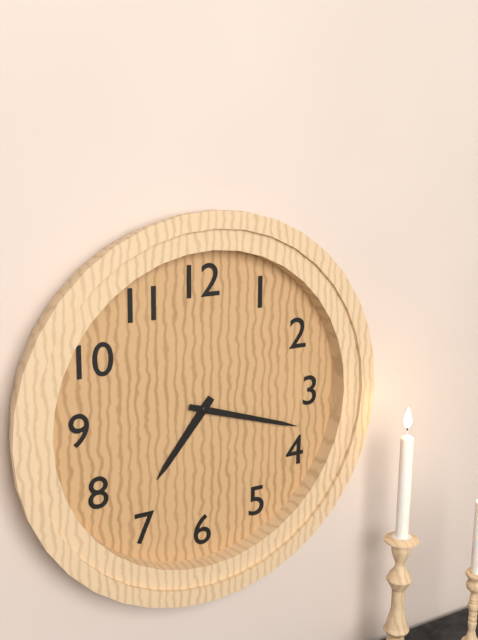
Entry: h=7 m=18
